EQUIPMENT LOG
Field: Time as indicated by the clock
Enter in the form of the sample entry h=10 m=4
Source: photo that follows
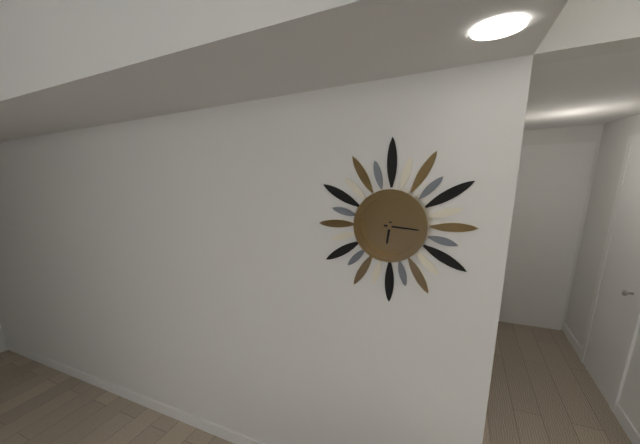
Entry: h=6 m=16
